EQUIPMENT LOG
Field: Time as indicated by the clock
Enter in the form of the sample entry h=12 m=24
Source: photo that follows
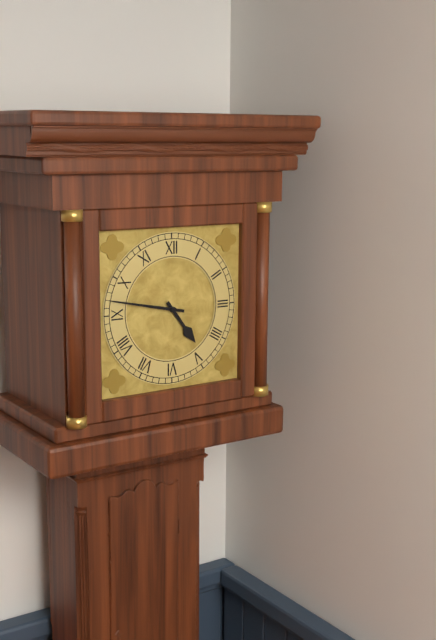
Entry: h=4 m=47
